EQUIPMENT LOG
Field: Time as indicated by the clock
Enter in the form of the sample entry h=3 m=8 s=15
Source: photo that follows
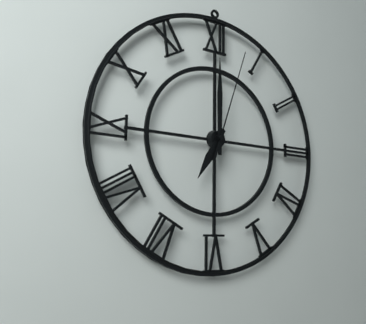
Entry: h=7 m=0 s=3
